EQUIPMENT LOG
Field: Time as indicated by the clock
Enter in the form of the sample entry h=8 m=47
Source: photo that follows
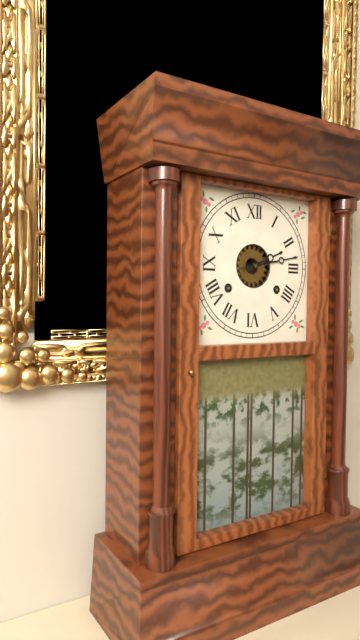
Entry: h=2 m=13
